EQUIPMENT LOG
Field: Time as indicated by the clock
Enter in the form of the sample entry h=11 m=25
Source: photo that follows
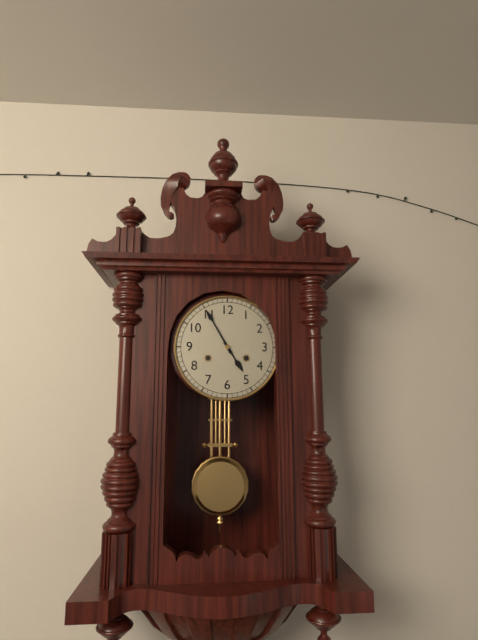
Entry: h=4 m=55
